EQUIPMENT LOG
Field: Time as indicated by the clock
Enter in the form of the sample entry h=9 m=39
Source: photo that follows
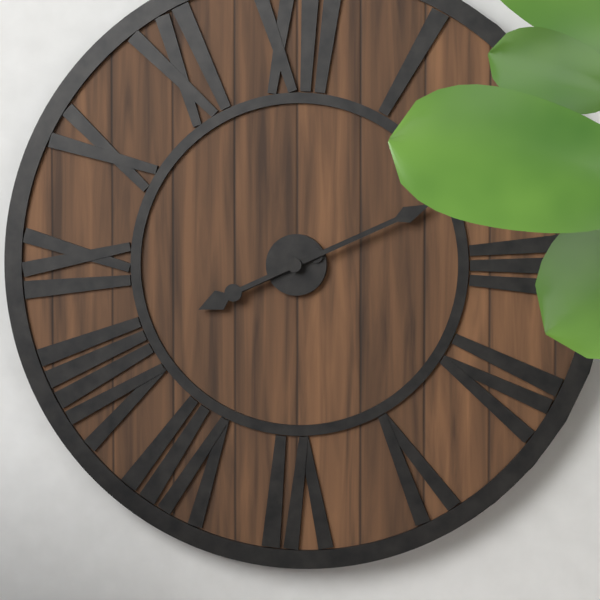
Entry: h=8 m=11
